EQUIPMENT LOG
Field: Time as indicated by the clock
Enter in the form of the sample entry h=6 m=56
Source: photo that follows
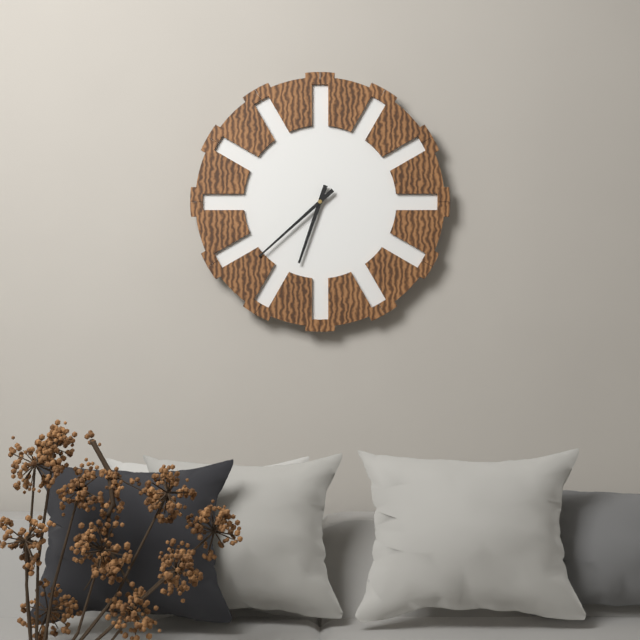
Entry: h=6 m=38
